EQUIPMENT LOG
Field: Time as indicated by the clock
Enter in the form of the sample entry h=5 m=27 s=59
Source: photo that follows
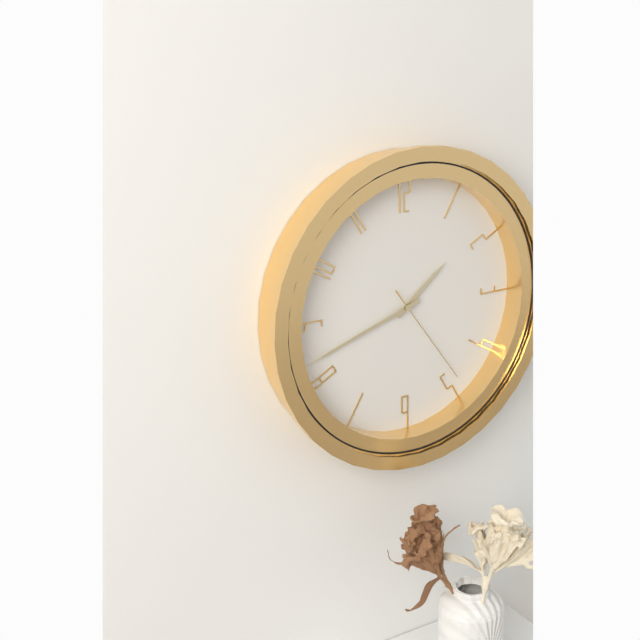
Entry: h=1 m=42 s=24
